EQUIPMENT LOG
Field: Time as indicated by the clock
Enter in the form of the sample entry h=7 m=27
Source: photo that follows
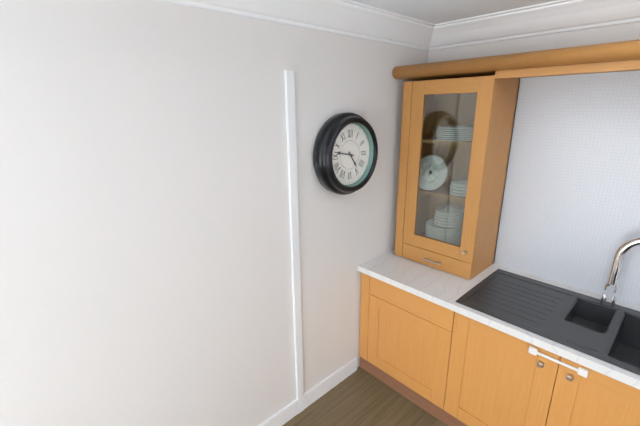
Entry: h=4 m=47
